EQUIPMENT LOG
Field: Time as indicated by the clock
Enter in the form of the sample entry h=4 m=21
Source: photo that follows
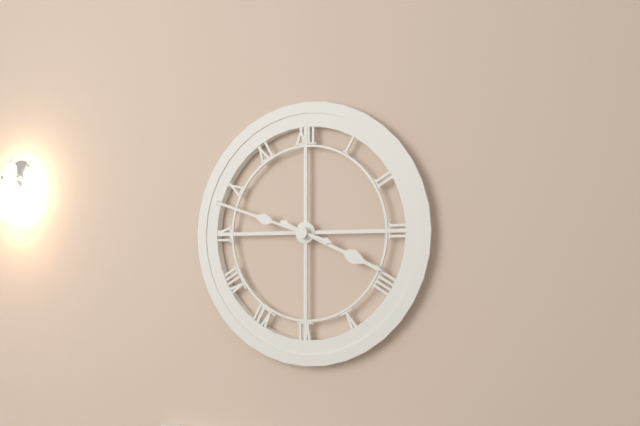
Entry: h=3 m=48
